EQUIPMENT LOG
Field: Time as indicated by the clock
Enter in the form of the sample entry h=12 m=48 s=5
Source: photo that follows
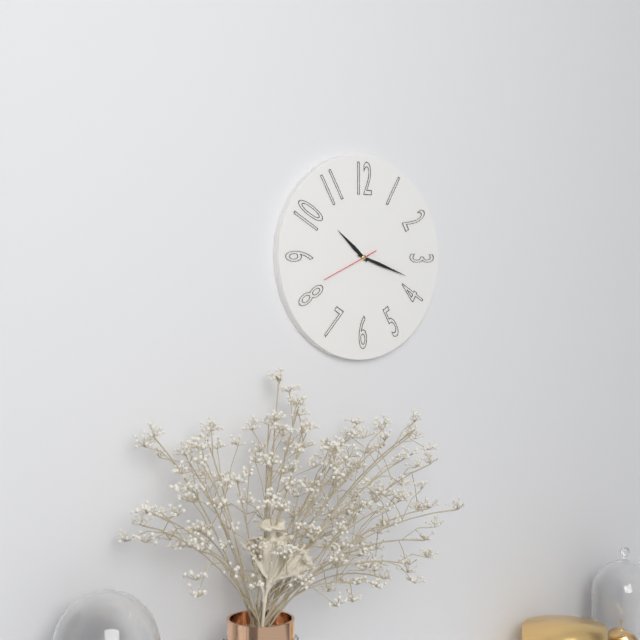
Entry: h=10 m=18 s=41
